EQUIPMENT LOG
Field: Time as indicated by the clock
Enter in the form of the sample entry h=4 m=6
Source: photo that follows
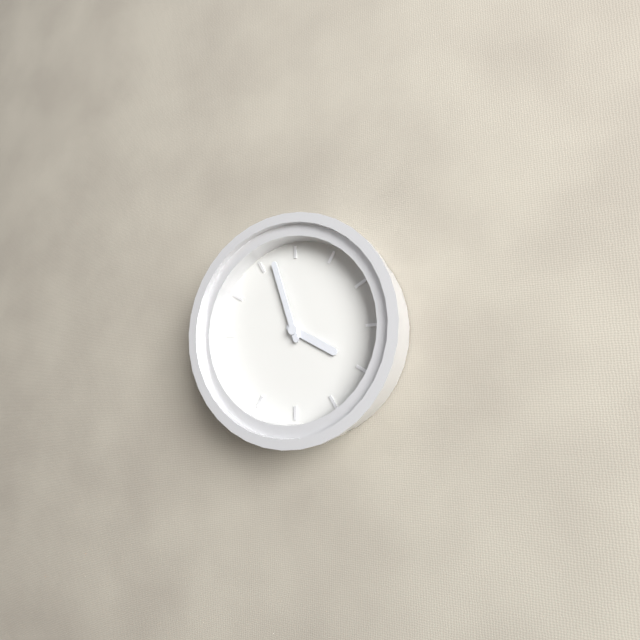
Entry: h=3 m=57
